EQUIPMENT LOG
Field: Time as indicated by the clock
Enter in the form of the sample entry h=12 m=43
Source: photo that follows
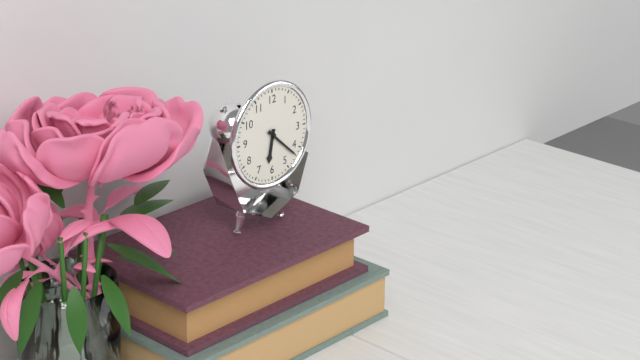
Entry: h=6 m=22
